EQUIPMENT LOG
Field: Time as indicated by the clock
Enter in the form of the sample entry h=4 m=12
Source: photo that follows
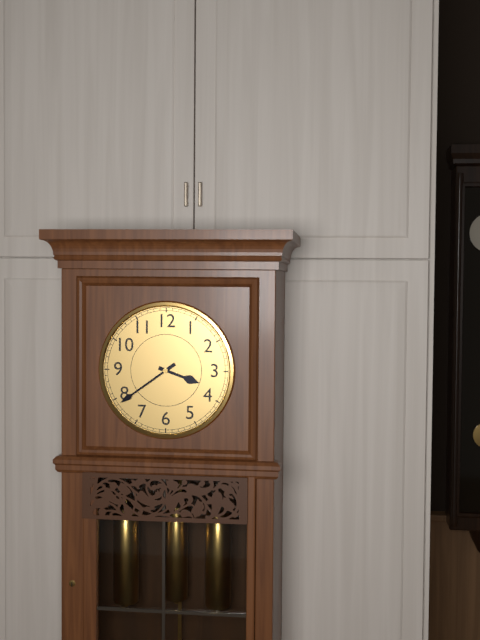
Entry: h=3 m=39
